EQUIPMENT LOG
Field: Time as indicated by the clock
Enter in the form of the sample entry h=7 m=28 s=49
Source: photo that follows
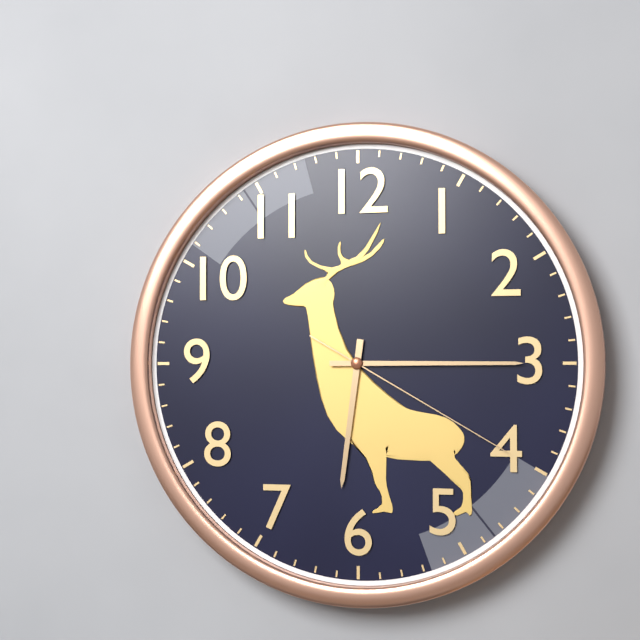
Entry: h=6 m=15 s=20
